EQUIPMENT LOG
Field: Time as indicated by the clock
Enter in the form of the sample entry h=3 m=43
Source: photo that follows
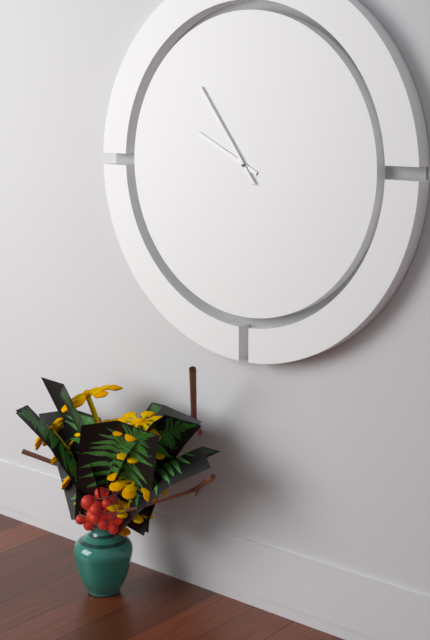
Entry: h=9 m=54
